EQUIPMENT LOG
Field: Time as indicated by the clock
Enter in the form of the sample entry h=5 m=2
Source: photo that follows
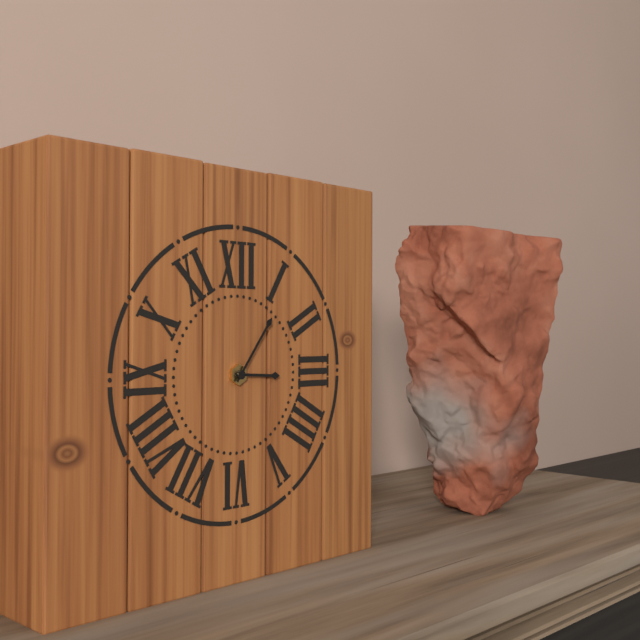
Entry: h=3 m=6
